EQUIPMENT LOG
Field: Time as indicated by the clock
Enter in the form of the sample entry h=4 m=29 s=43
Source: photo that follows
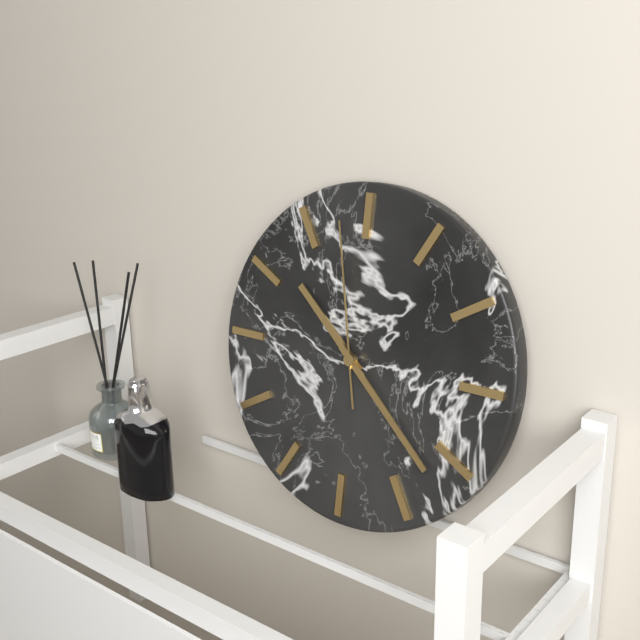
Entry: h=10 m=22 s=58
